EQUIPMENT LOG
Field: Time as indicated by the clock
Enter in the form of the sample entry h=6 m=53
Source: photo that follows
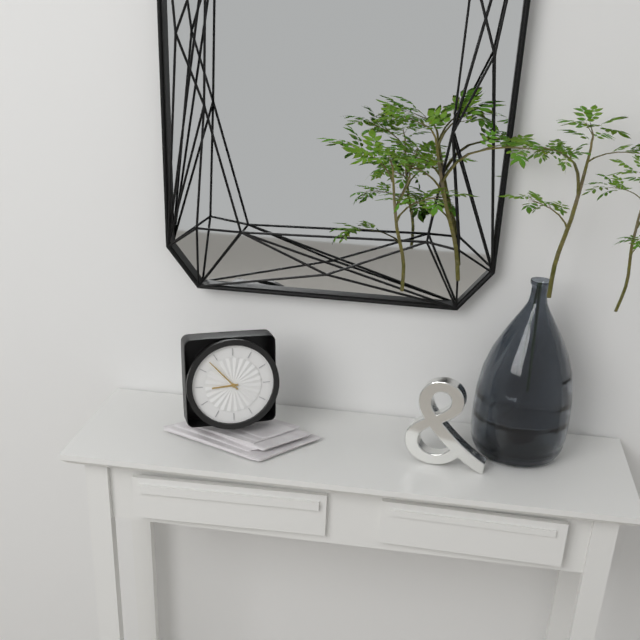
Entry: h=8 m=53
